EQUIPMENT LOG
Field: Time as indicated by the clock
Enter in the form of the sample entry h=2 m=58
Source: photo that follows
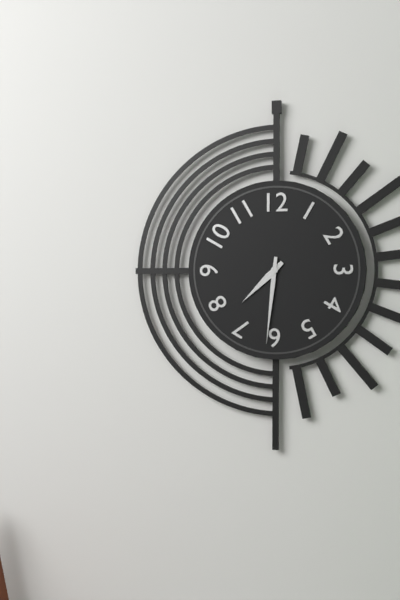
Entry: h=7 m=31
